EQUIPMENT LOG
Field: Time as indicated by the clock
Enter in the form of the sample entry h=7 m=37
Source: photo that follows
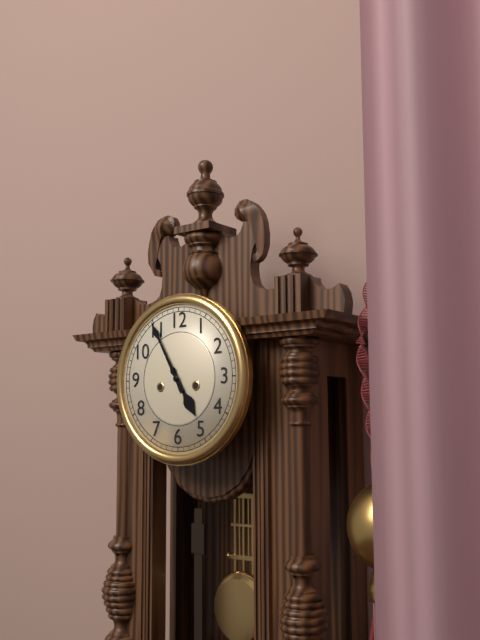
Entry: h=4 m=55
